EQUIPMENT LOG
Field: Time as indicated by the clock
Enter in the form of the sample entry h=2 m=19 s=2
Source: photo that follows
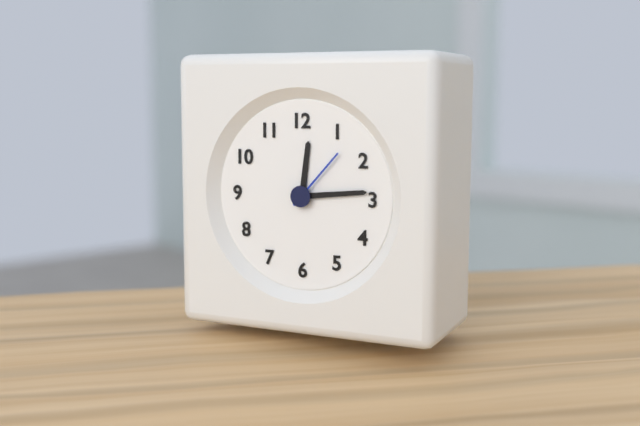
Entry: h=12 m=14 s=7
